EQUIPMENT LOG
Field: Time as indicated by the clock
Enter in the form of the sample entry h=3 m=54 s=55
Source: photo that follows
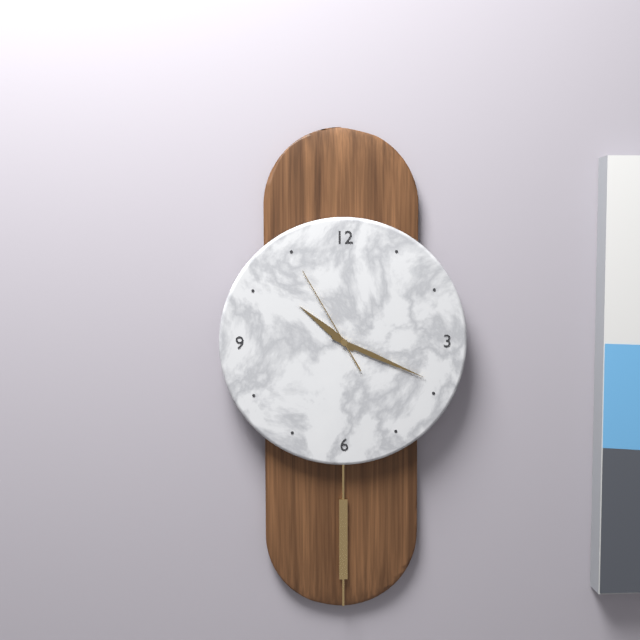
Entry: h=10 m=19 s=55
